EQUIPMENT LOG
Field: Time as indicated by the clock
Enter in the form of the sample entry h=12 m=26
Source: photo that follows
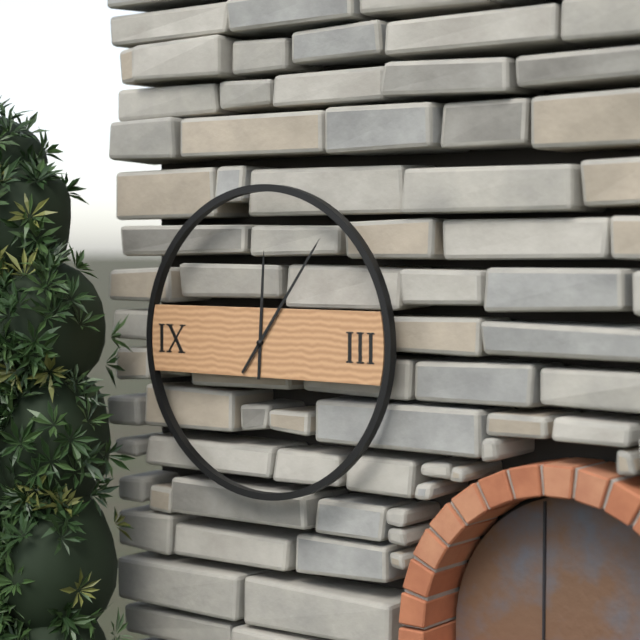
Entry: h=12 m=6
